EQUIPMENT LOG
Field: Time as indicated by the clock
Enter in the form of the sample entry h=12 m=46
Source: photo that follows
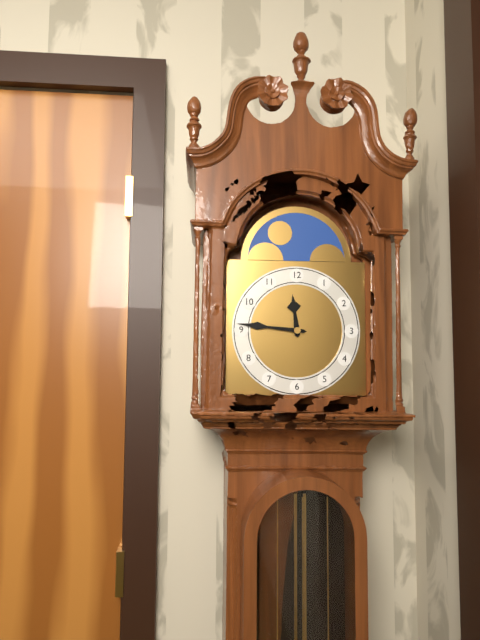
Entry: h=11 m=46
